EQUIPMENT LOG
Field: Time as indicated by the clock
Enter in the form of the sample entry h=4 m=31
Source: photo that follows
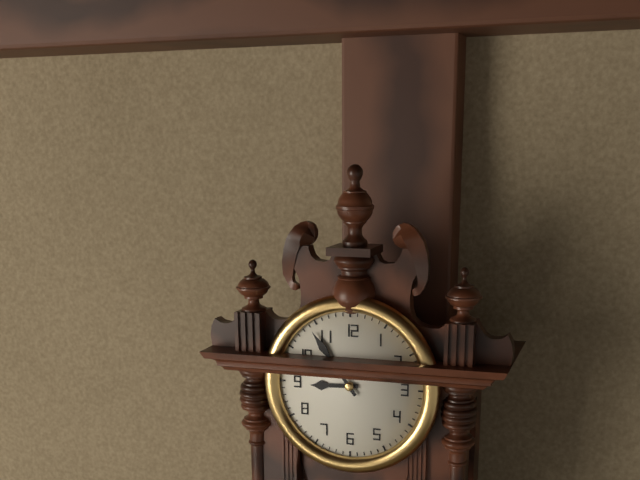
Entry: h=8 m=54
